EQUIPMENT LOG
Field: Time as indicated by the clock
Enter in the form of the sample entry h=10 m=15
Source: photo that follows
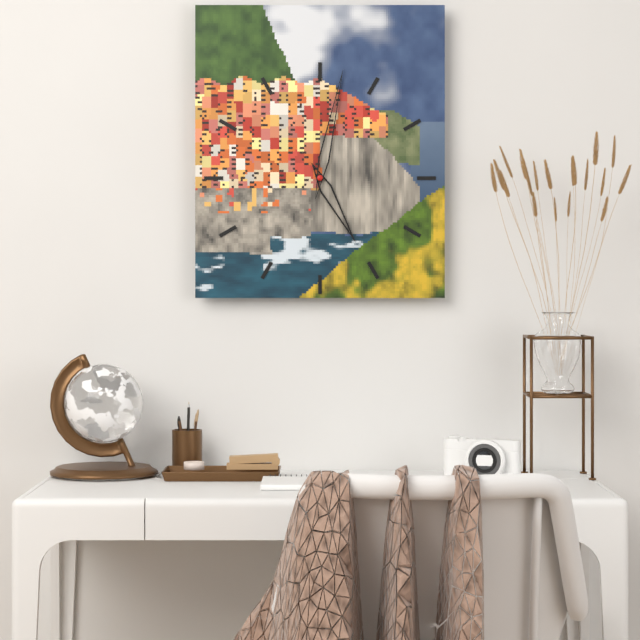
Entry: h=5 m=2
